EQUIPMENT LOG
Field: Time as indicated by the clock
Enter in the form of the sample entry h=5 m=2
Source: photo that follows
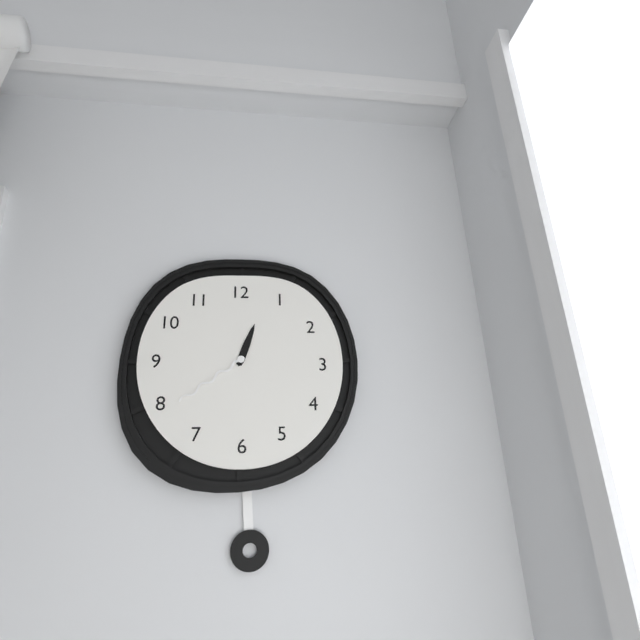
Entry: h=12 m=39
